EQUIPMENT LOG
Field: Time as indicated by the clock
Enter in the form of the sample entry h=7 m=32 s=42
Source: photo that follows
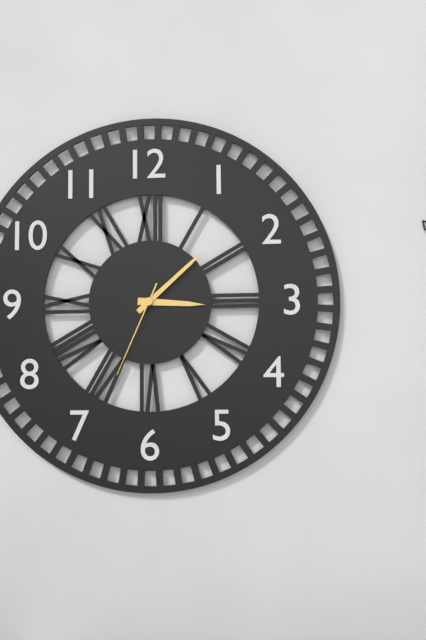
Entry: h=3 m=8 s=34
